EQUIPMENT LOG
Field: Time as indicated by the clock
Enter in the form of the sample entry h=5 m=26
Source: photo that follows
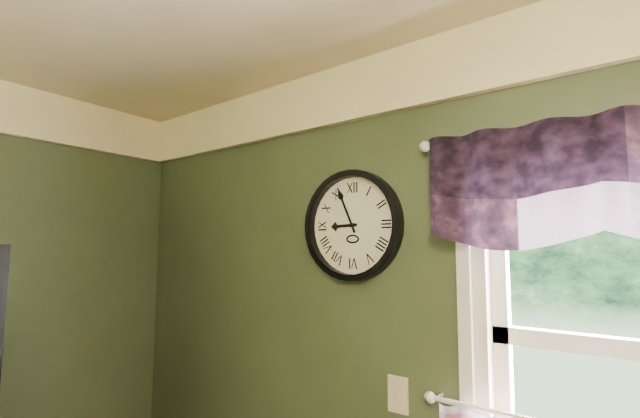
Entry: h=8 m=56
